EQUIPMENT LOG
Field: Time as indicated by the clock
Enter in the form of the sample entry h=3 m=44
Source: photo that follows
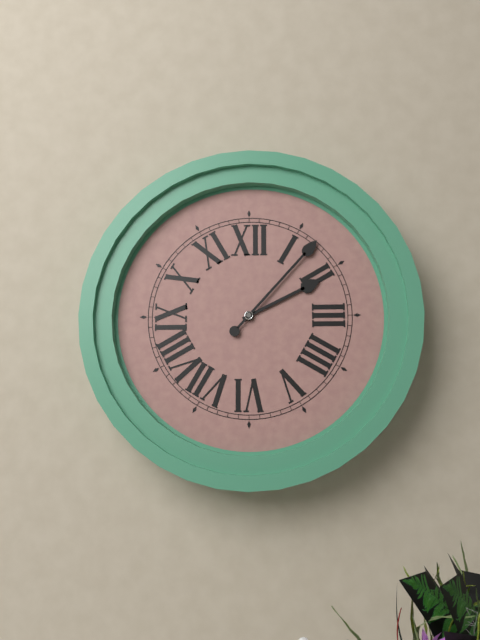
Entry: h=2 m=7
